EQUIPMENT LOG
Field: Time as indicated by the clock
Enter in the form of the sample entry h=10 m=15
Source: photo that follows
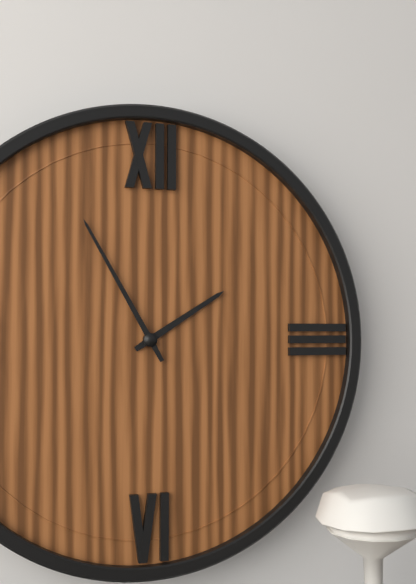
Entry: h=1 m=55
